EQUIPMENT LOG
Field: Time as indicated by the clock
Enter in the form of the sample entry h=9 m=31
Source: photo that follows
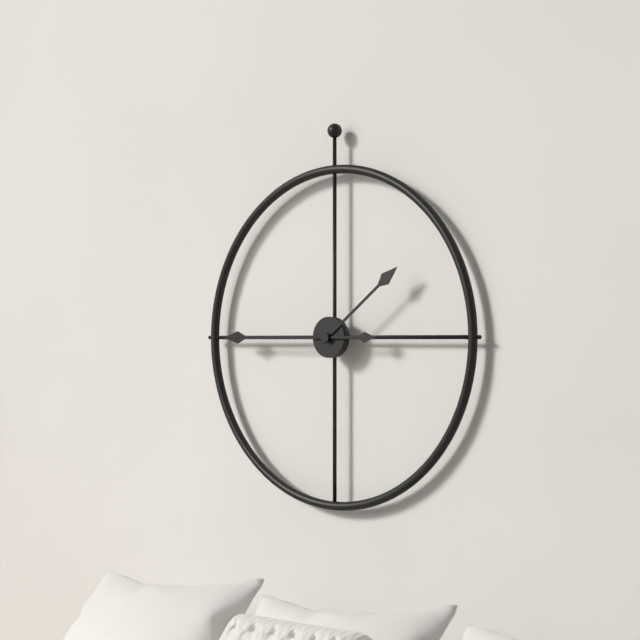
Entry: h=1 m=45
